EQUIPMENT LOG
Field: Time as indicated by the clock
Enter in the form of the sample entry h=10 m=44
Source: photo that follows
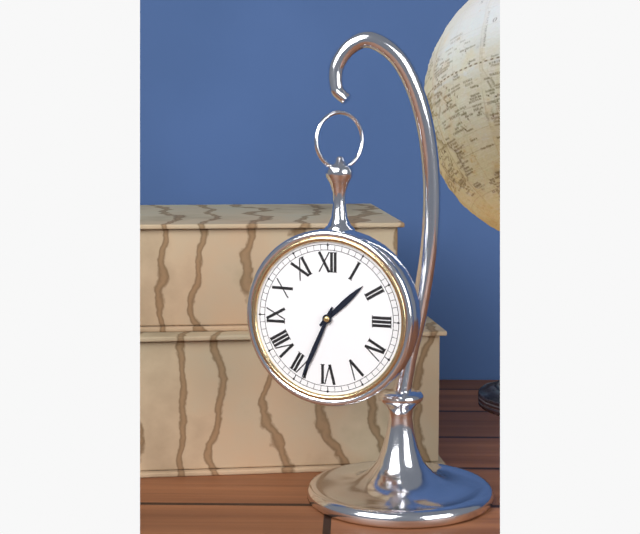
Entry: h=1 m=34
